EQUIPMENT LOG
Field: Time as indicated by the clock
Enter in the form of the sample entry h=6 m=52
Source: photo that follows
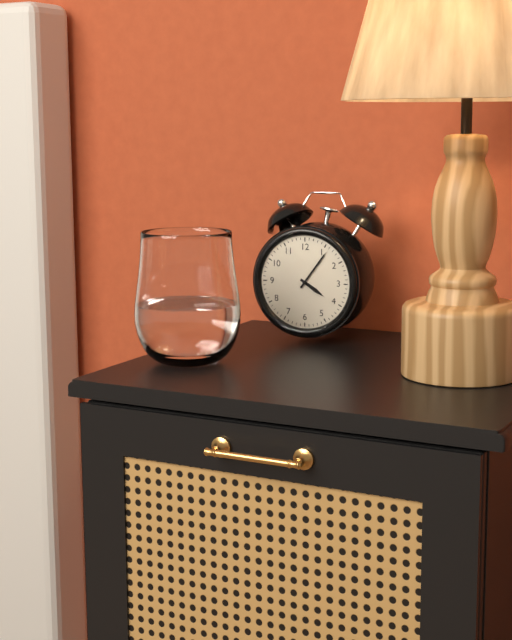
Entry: h=4 m=6
